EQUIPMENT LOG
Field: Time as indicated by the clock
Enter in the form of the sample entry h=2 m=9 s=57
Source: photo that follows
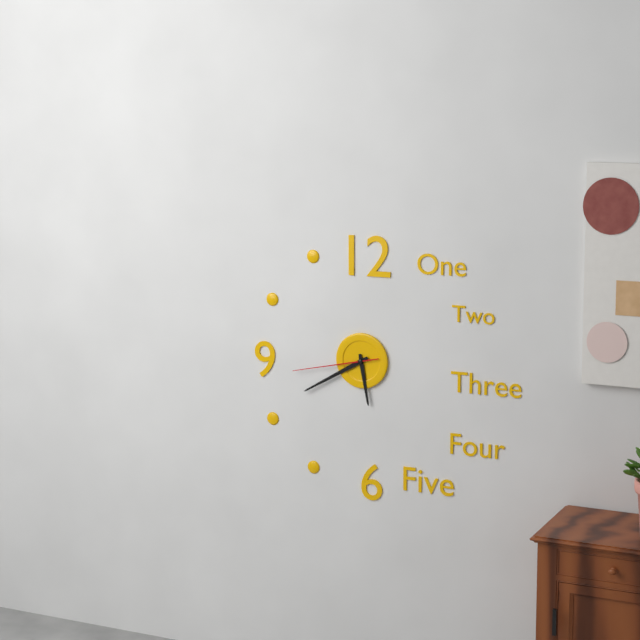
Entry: h=5 m=40 s=43
